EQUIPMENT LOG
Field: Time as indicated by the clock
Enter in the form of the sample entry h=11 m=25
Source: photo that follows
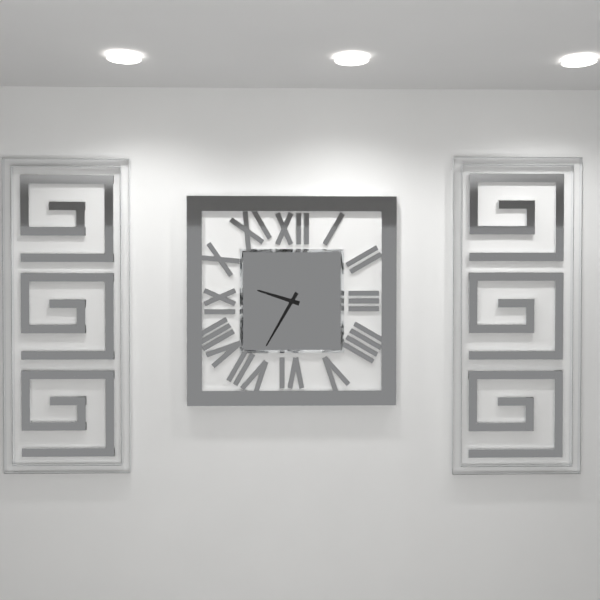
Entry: h=9 m=35
